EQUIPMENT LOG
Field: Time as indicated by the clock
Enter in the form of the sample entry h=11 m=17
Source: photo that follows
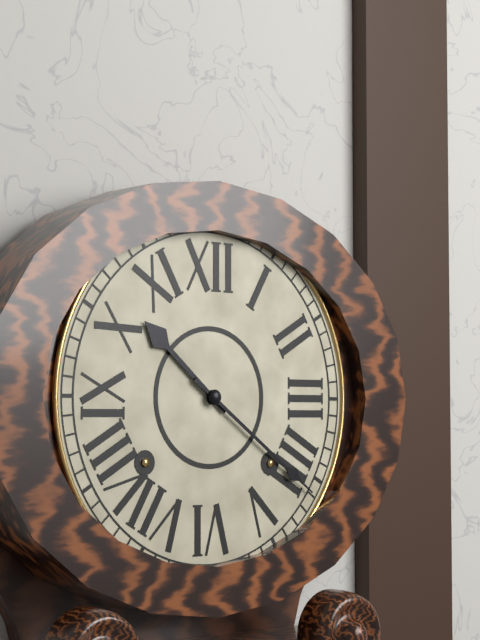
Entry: h=10 m=21
